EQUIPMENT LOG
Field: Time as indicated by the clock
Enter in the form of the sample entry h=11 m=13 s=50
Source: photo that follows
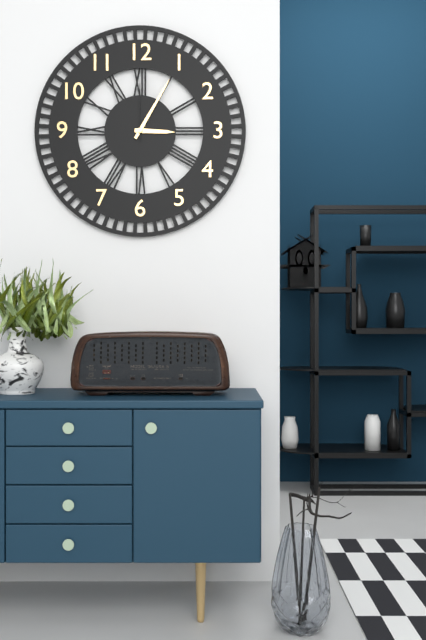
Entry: h=3 m=5 s=0
